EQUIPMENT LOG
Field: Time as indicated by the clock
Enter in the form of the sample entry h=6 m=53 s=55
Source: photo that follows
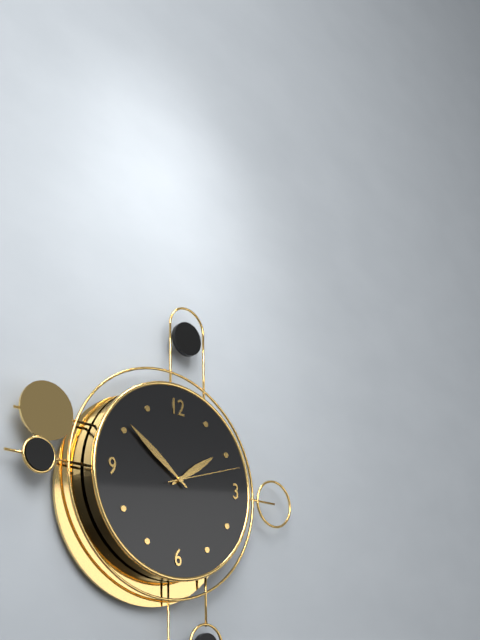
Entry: h=1 m=51 s=12
